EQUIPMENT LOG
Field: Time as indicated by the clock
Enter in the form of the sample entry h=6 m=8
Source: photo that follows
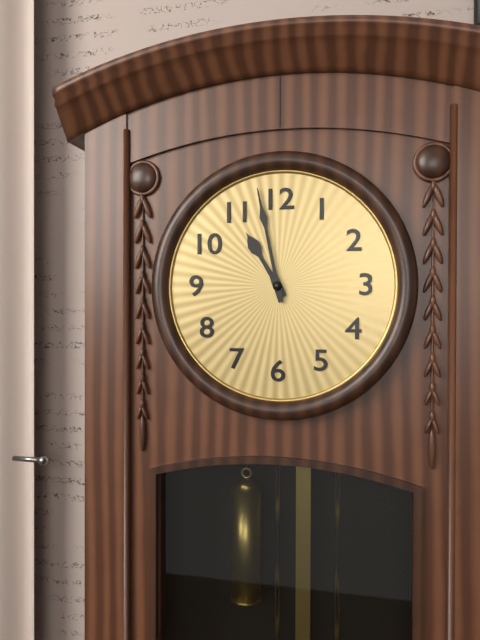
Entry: h=10 m=58
